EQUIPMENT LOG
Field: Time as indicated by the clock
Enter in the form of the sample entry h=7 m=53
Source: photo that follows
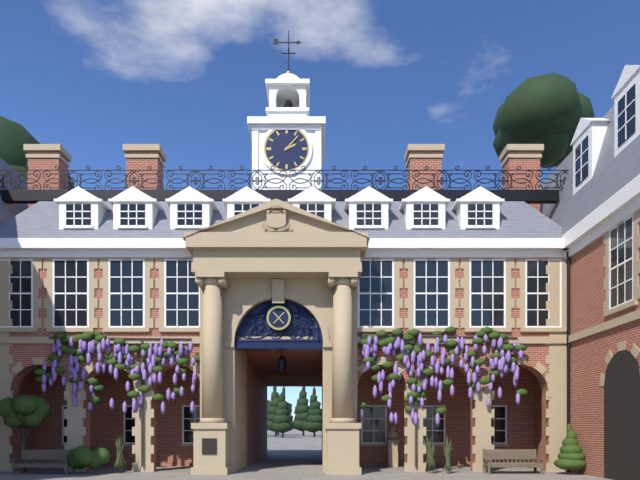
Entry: h=2 m=7
